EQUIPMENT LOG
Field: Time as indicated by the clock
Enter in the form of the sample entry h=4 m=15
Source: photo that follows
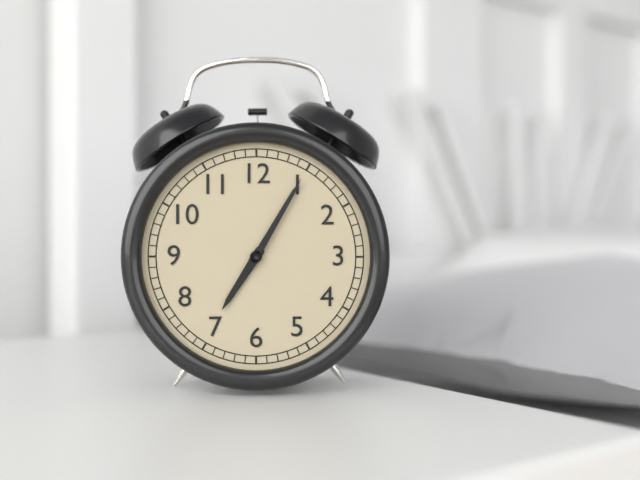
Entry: h=7 m=5
